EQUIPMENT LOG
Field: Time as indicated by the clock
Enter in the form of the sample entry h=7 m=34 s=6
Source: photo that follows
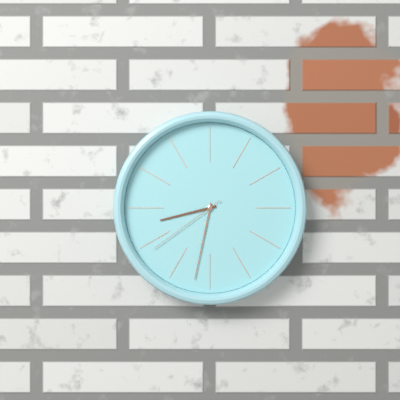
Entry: h=8 m=32 s=39
